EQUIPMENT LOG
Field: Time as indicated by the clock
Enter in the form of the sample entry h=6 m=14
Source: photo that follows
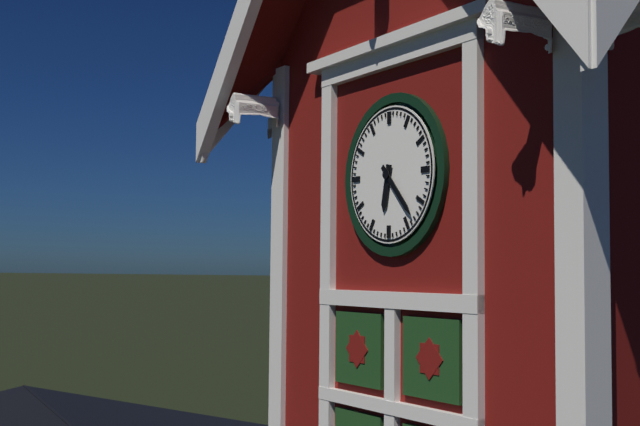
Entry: h=6 m=23
